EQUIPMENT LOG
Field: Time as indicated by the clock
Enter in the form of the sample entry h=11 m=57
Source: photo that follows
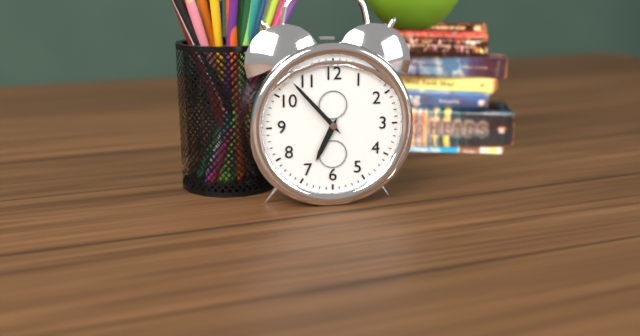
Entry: h=6 m=53
